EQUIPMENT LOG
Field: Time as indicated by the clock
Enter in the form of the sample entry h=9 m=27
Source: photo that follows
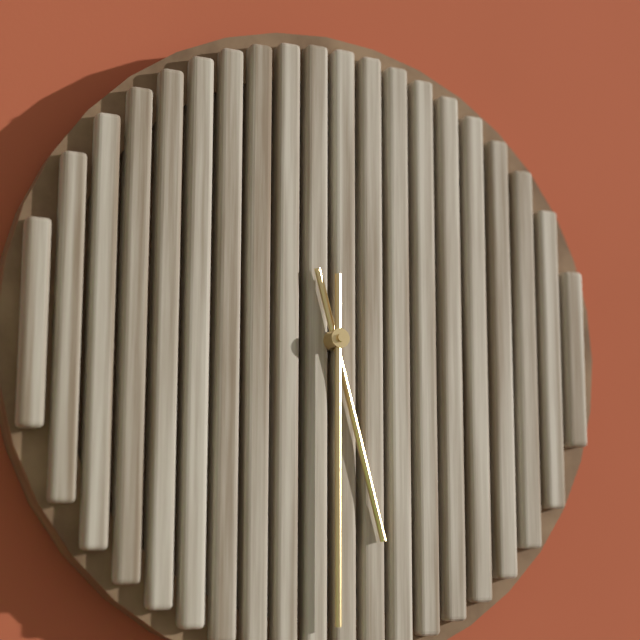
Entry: h=5 m=30
